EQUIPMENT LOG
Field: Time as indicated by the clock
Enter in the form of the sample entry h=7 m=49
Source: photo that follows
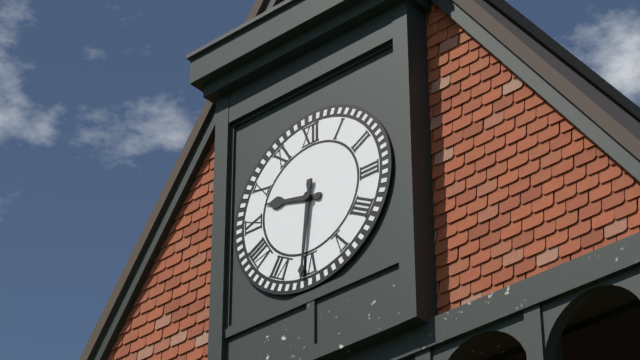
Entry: h=9 m=31
